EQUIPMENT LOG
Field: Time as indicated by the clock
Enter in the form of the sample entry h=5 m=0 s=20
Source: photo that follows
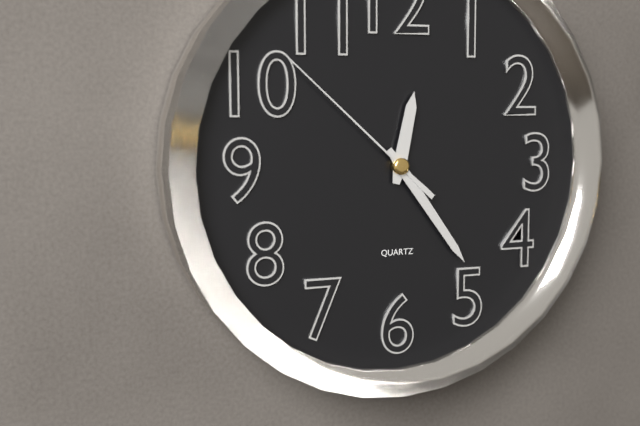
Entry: h=12 m=24 s=52
